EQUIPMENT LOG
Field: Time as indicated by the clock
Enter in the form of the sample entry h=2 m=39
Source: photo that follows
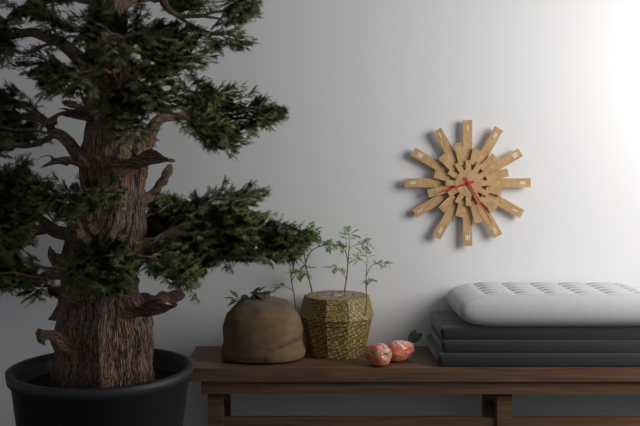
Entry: h=8 m=25
